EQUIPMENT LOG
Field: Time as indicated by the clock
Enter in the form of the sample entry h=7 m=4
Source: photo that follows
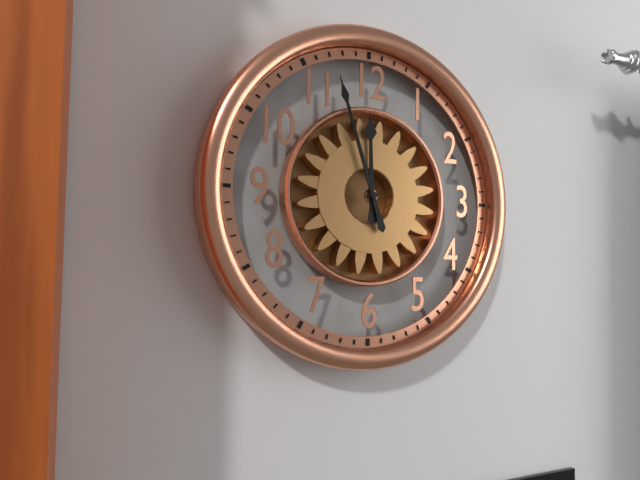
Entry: h=11 m=57
